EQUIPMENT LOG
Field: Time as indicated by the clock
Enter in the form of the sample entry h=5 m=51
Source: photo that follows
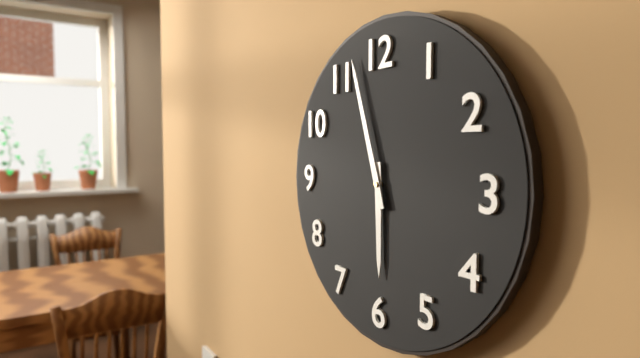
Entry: h=5 m=57
